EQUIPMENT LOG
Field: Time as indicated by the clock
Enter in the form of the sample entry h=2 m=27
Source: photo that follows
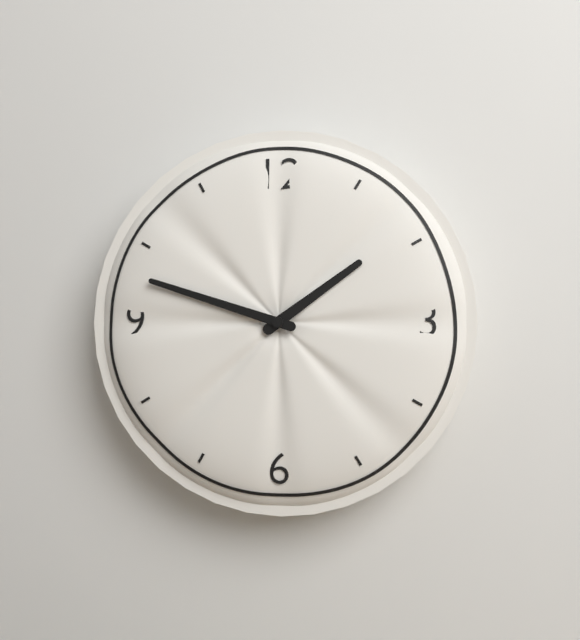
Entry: h=1 m=48
